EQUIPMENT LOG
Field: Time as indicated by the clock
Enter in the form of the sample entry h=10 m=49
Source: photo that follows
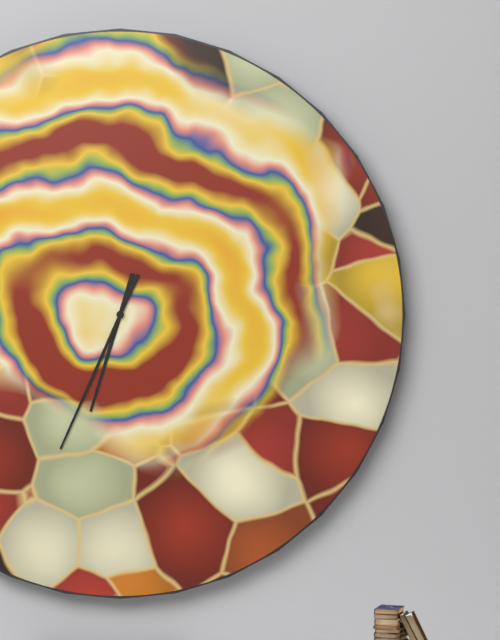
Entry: h=6 m=34
